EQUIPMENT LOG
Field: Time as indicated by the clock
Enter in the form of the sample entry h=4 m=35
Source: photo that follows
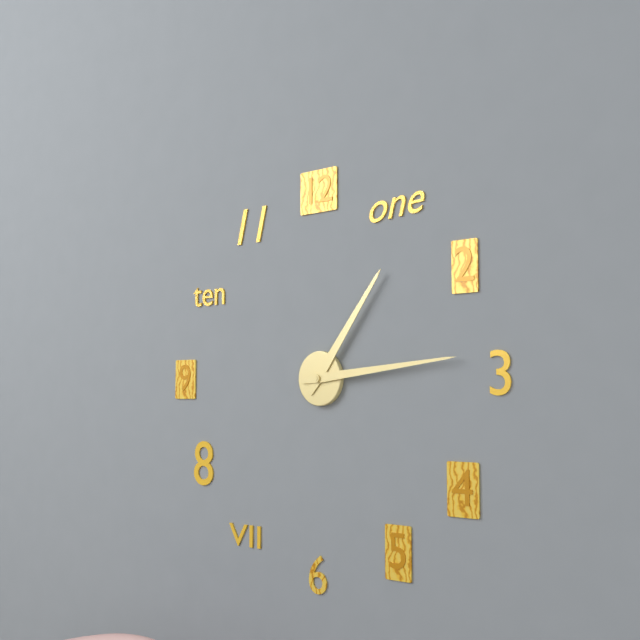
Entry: h=1 m=14
